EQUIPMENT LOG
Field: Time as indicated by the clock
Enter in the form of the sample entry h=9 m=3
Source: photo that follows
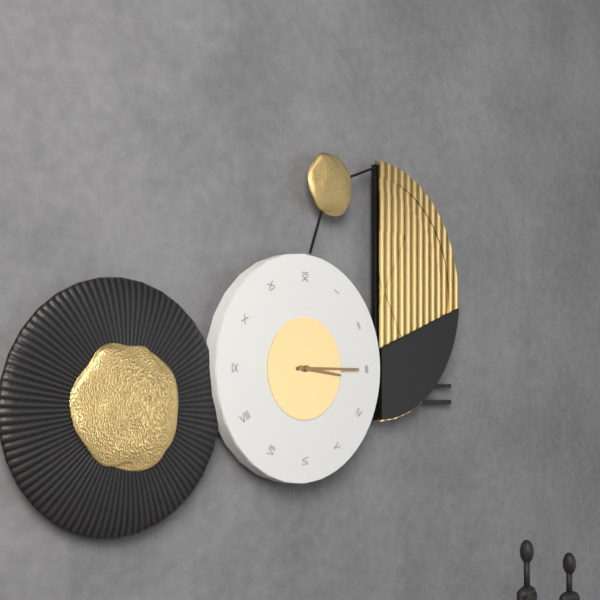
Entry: h=3 m=15
